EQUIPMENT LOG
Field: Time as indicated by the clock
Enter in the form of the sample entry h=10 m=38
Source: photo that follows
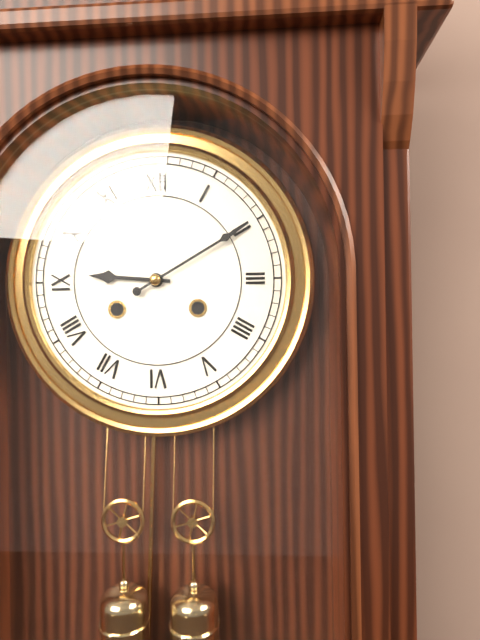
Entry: h=9 m=10
